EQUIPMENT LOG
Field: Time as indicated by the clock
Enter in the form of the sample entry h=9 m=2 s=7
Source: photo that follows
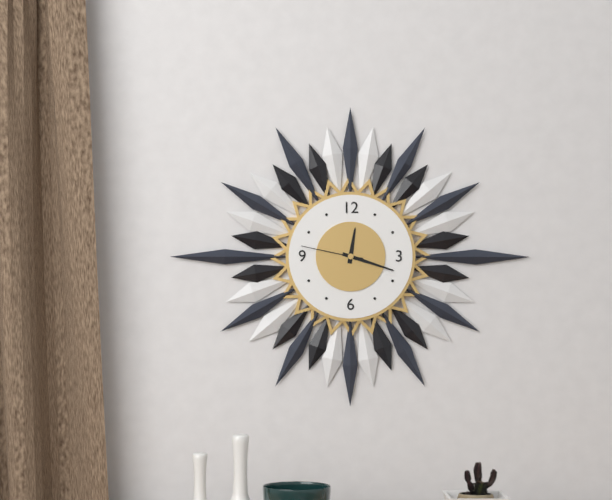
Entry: h=12 m=18 s=47
